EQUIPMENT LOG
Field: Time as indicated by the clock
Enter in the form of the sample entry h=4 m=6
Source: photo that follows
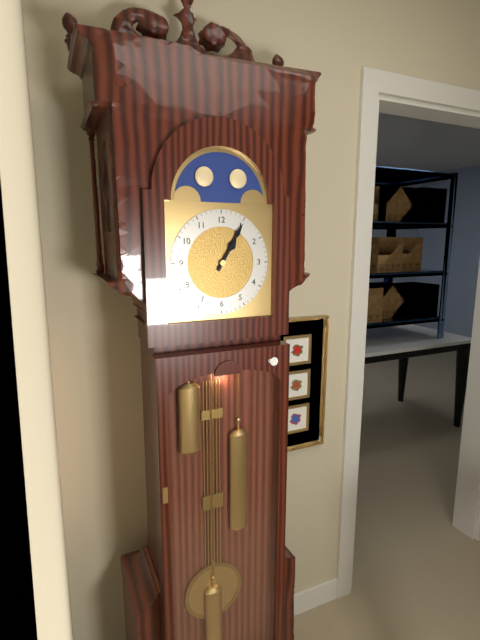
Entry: h=1 m=5
